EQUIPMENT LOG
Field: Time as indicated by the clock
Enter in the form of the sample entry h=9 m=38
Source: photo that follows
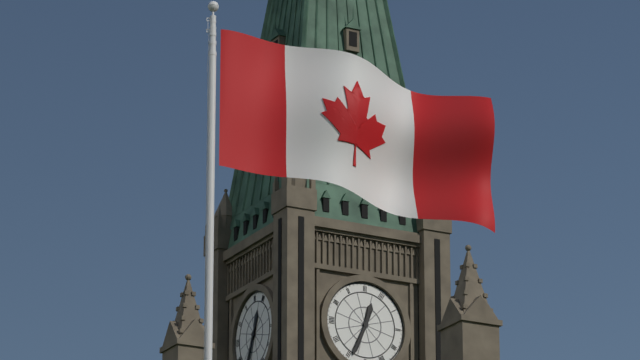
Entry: h=12 m=34
